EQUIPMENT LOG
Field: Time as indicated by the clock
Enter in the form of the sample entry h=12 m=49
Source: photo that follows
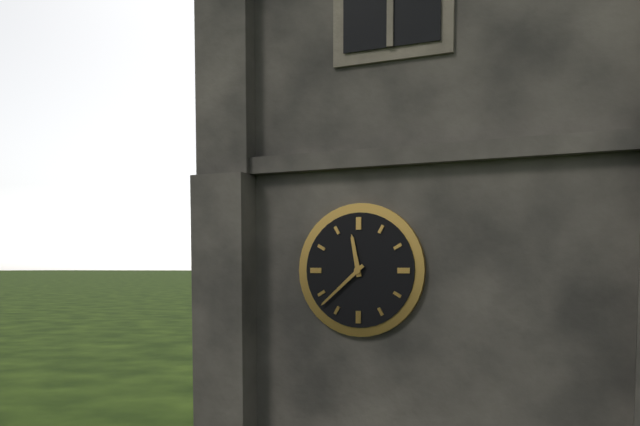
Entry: h=11 m=38
